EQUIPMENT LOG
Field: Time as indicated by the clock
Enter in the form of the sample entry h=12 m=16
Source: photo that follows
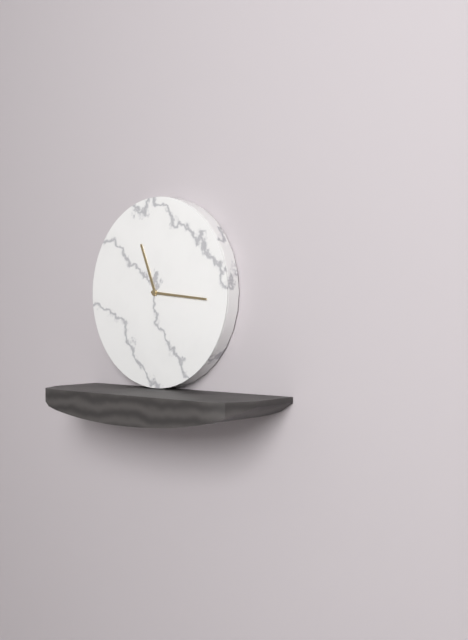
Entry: h=11 m=16
